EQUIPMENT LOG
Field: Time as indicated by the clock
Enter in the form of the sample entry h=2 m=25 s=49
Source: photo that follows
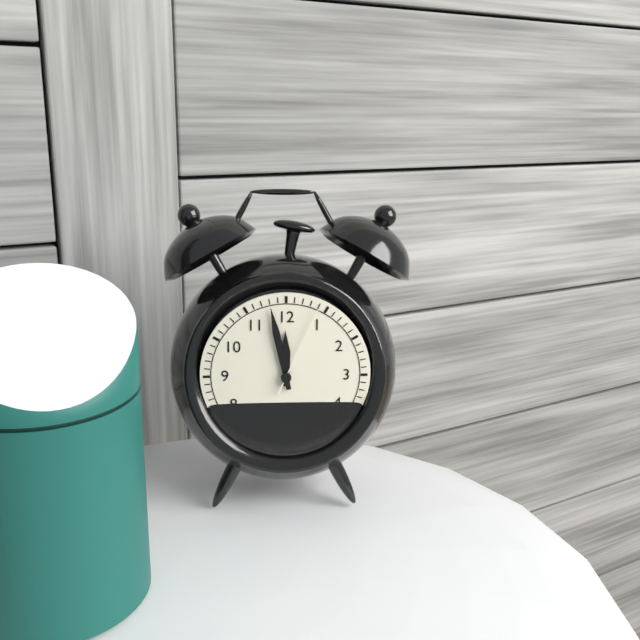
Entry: h=11 m=58 s=4
